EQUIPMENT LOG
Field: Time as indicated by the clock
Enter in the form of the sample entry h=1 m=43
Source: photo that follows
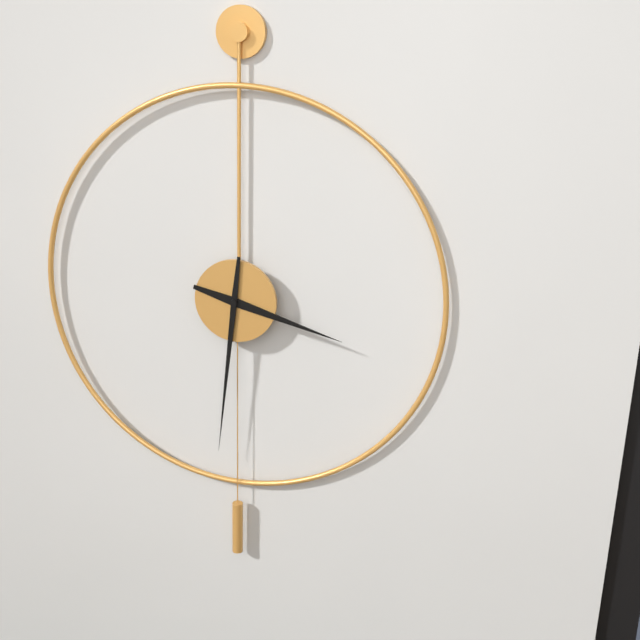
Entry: h=3 m=31
